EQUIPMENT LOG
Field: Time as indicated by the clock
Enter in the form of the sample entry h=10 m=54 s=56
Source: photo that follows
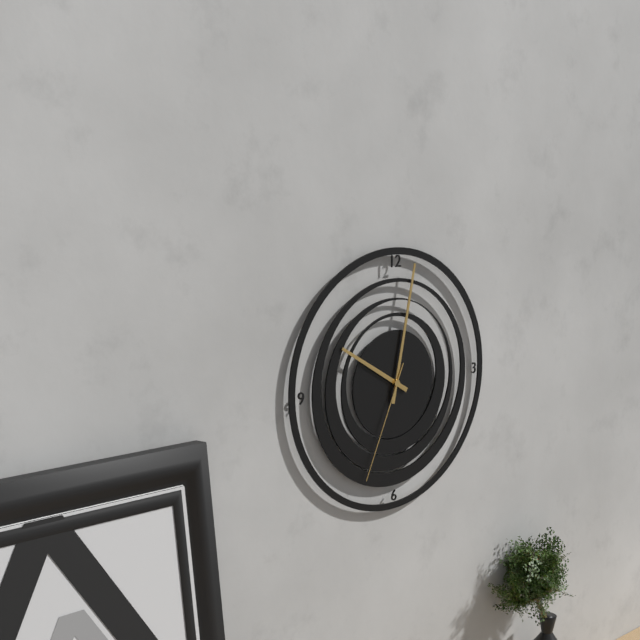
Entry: h=10 m=2 s=34
